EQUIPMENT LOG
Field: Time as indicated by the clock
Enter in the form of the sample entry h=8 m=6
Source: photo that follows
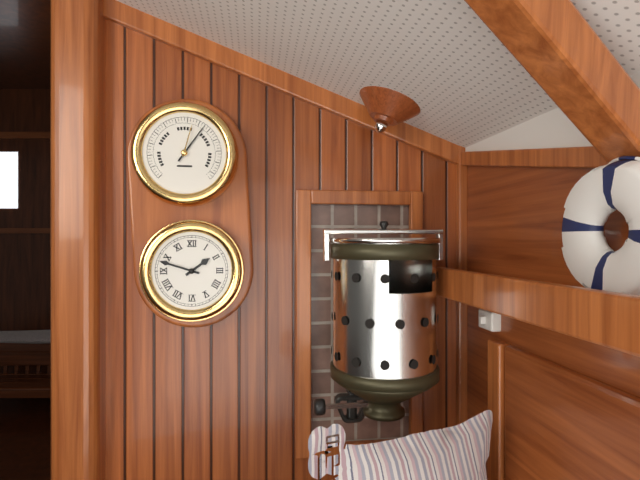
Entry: h=1 m=48
